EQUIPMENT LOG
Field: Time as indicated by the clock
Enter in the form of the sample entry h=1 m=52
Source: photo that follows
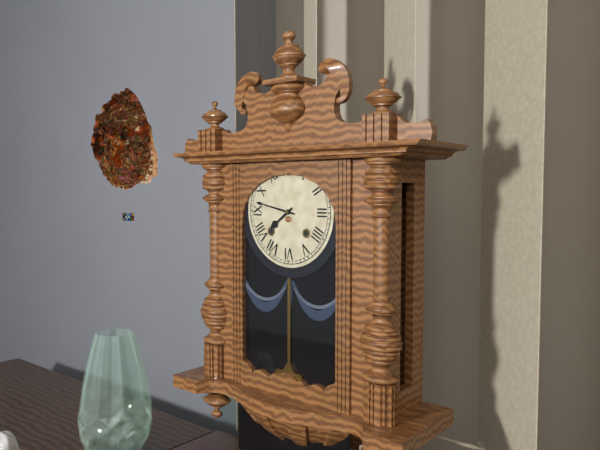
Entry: h=7 m=47
